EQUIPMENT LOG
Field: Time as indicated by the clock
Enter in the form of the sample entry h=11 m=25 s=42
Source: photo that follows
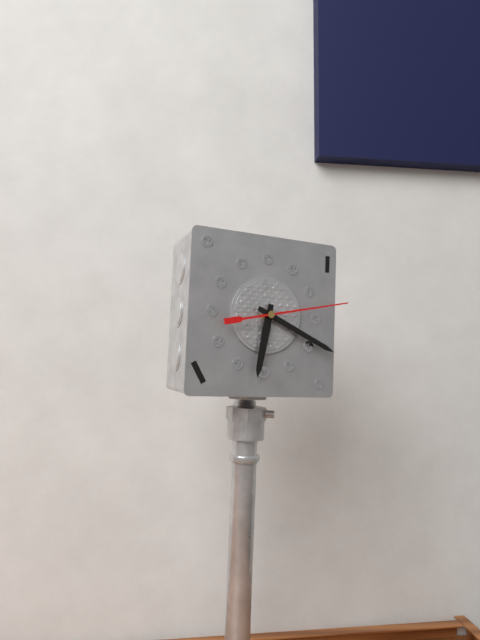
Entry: h=6 m=19 s=13
